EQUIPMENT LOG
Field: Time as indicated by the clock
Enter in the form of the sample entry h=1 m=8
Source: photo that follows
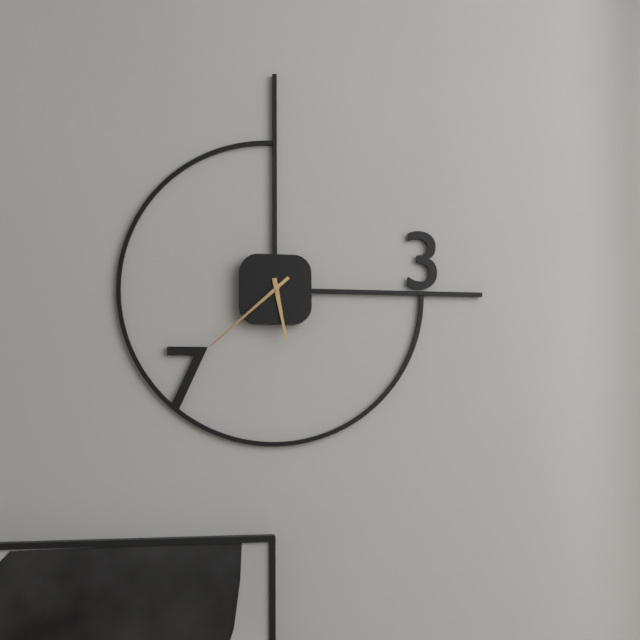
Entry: h=5 m=38
